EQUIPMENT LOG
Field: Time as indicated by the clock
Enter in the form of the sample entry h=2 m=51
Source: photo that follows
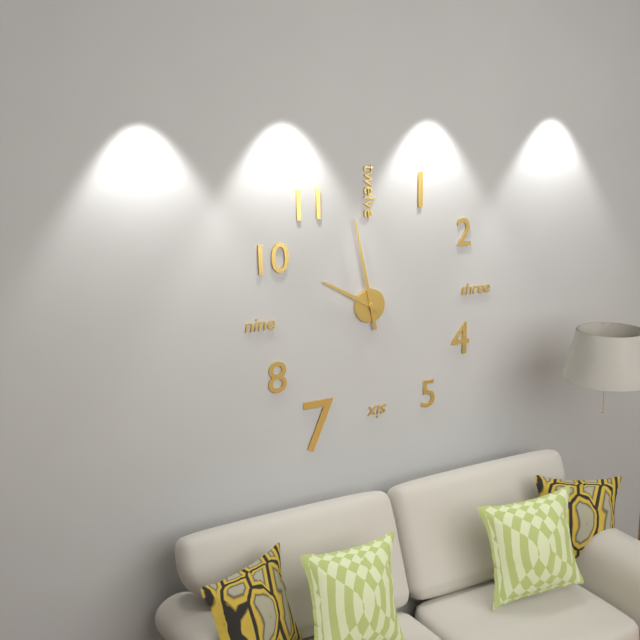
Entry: h=9 m=58
